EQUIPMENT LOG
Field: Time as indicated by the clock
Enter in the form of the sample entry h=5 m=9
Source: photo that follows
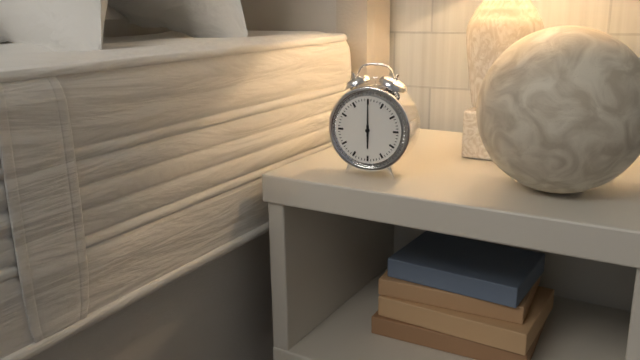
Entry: h=6 m=0
